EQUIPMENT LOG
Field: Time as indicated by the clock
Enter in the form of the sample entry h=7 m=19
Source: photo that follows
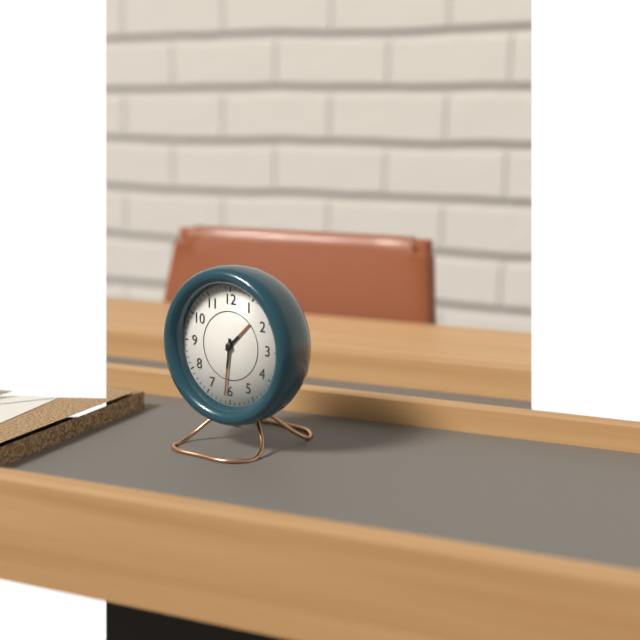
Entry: h=1 m=31
